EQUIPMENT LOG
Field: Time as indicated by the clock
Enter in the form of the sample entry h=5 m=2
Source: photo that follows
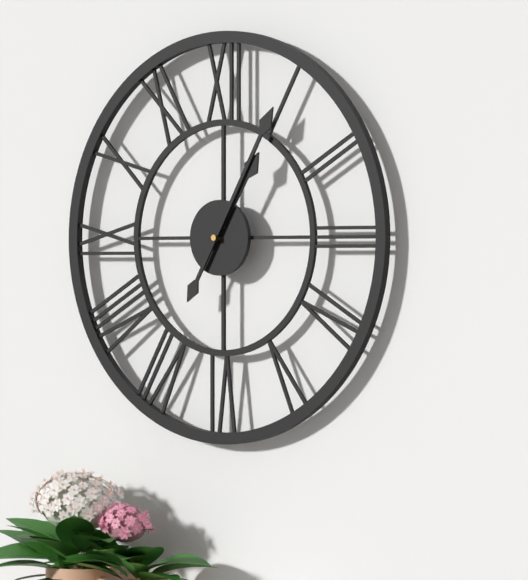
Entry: h=1 m=5
